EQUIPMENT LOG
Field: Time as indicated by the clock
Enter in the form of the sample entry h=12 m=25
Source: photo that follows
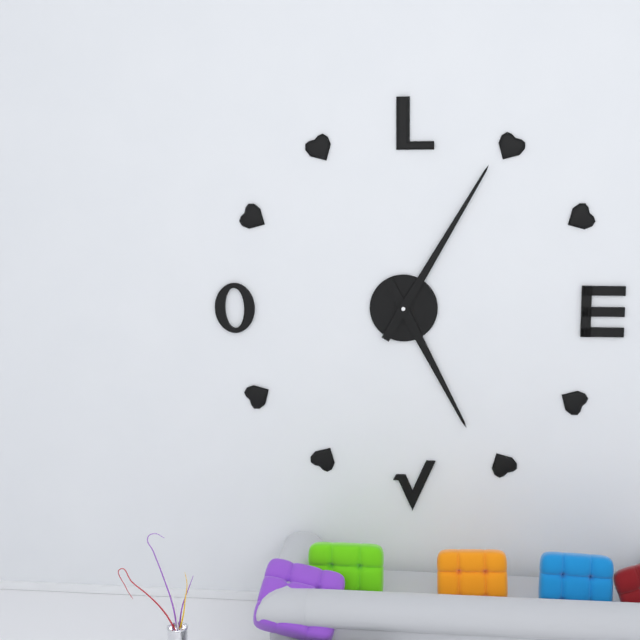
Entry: h=5 m=5
